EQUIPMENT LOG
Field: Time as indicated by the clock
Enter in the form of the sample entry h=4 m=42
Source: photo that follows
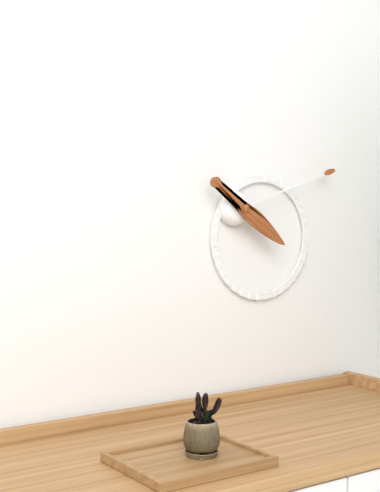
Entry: h=4 m=12
